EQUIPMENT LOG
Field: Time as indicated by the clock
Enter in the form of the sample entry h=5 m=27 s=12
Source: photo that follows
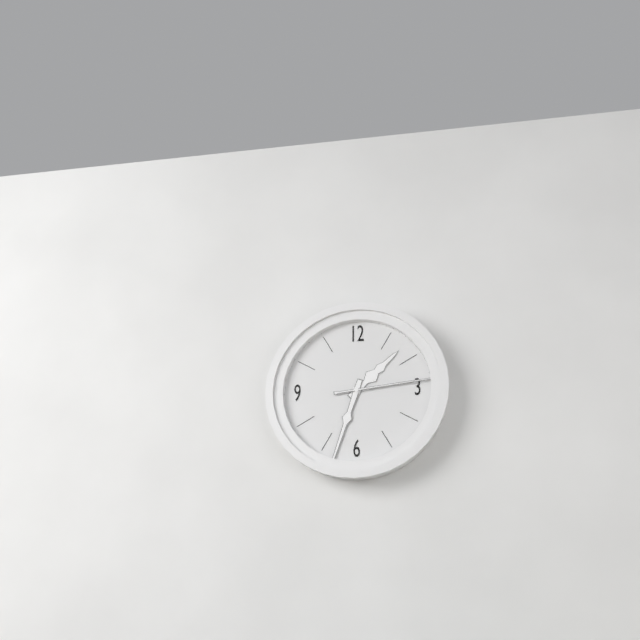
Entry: h=1 m=33 s=14
